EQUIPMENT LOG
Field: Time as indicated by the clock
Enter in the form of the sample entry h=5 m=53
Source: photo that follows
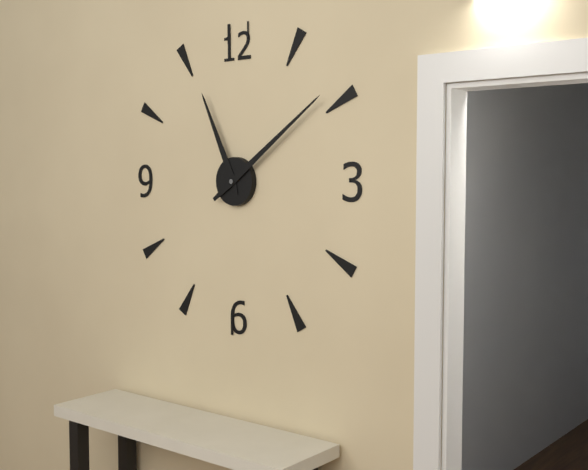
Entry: h=11 m=9
